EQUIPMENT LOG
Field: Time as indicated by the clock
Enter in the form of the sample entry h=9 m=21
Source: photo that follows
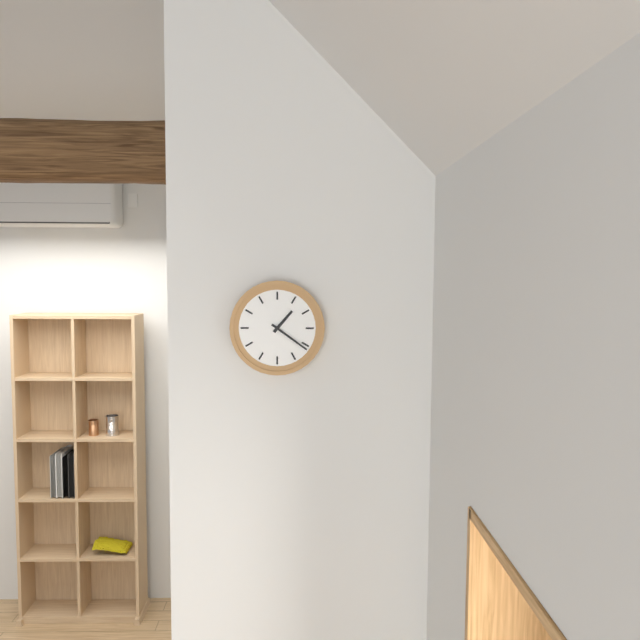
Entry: h=1 m=21
